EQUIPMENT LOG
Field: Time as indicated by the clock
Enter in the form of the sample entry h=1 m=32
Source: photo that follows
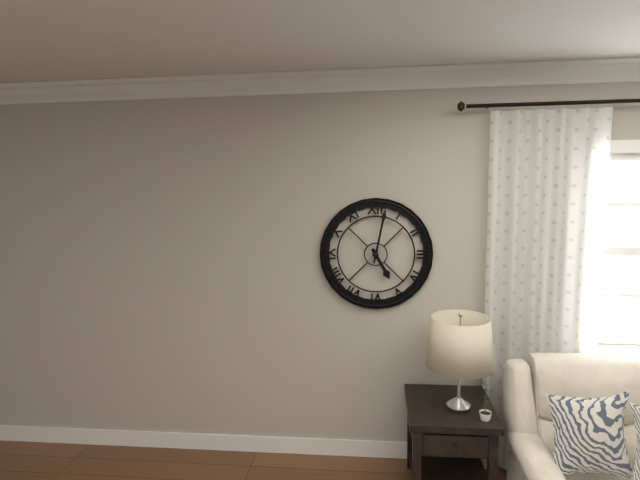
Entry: h=5 m=2
